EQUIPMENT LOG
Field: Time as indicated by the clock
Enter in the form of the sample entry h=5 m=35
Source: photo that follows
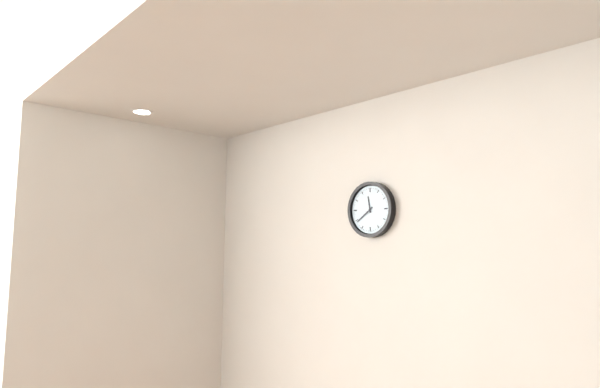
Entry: h=11 m=39
